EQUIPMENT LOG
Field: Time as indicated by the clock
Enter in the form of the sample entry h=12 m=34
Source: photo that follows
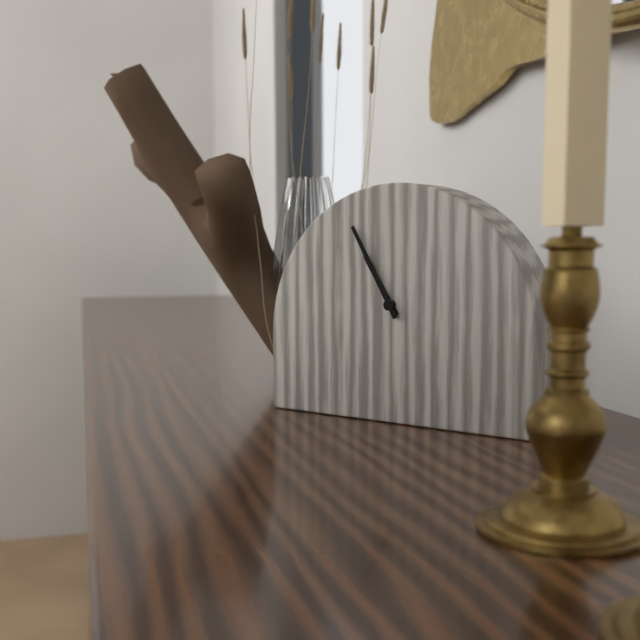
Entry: h=10 m=55
